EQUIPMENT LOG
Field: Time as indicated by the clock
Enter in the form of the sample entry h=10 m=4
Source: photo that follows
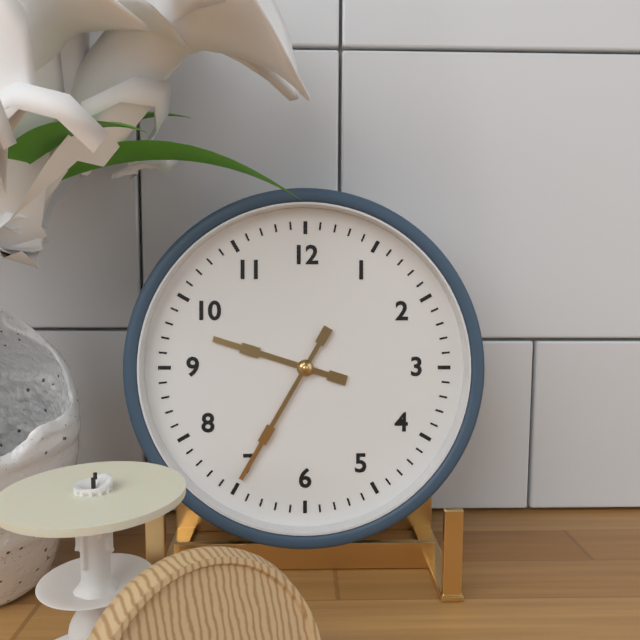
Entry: h=9 m=35
